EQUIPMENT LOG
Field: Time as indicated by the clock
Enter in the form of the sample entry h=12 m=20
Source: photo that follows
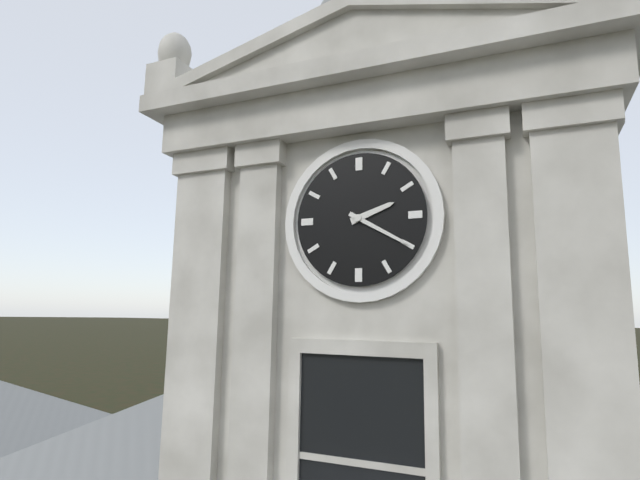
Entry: h=2 m=20
